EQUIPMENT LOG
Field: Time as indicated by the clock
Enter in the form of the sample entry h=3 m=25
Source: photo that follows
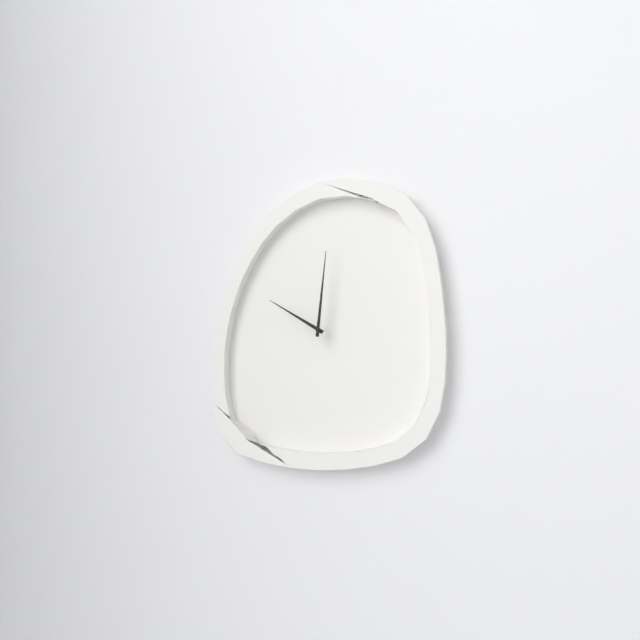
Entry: h=10 m=1
